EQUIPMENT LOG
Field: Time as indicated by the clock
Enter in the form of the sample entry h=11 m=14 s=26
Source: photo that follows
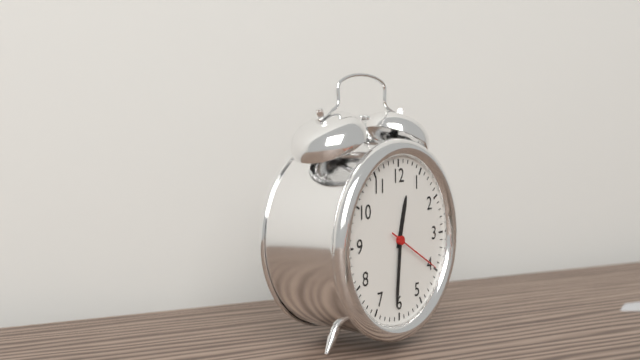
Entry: h=12 m=31 s=20
